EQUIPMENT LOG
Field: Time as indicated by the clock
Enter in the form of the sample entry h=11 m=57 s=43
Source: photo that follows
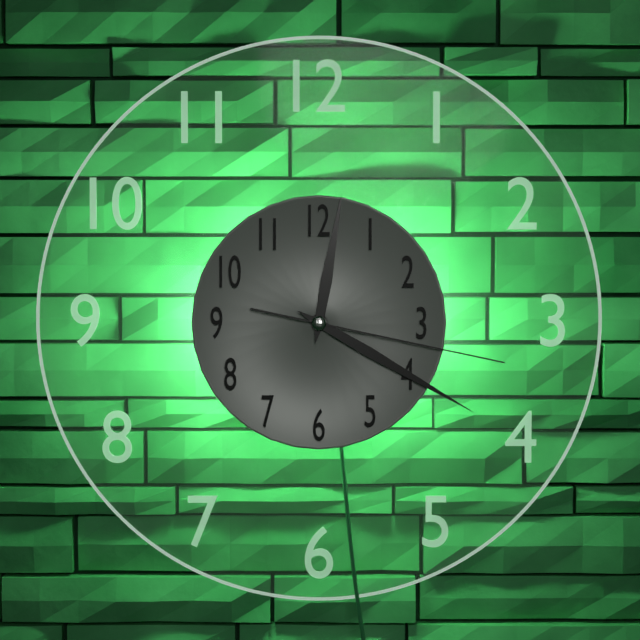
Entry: h=12 m=20 s=17
